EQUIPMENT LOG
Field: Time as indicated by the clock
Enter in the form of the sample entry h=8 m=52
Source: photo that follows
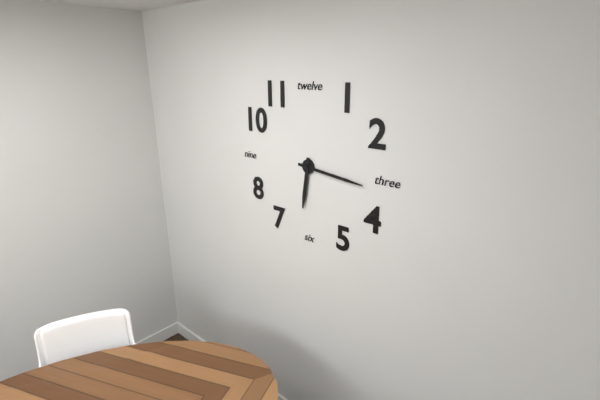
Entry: h=6 m=16
